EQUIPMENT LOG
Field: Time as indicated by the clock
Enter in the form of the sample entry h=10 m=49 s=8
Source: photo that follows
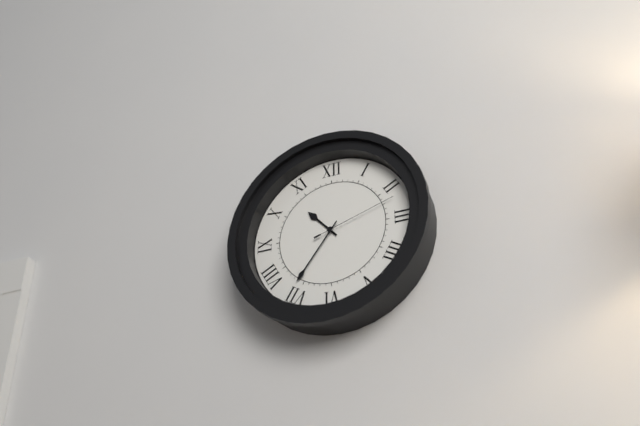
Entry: h=10 m=36 s=12
